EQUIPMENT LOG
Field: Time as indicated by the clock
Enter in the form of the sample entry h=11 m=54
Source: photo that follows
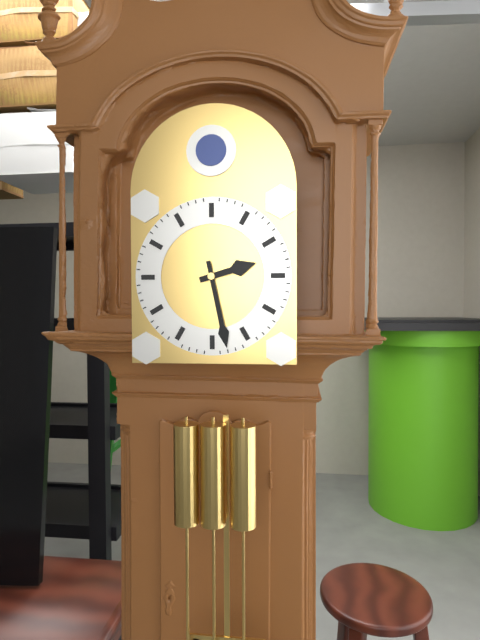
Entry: h=2 m=28
